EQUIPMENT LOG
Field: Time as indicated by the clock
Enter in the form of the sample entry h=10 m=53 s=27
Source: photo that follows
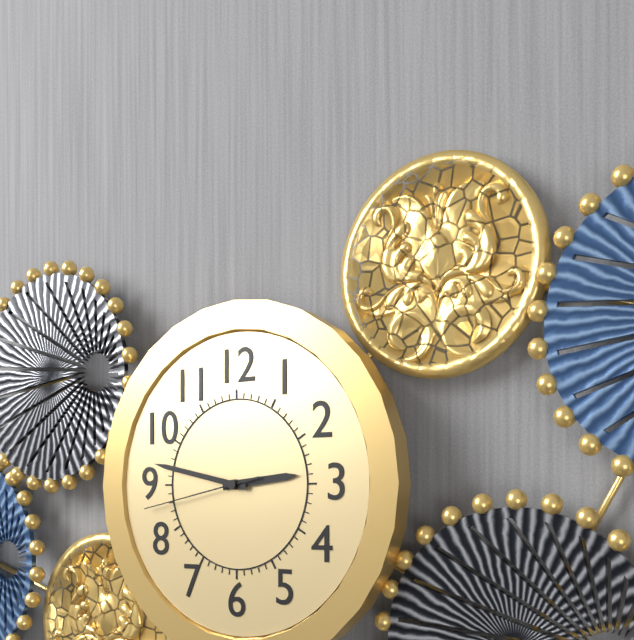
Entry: h=2 m=47 s=43
